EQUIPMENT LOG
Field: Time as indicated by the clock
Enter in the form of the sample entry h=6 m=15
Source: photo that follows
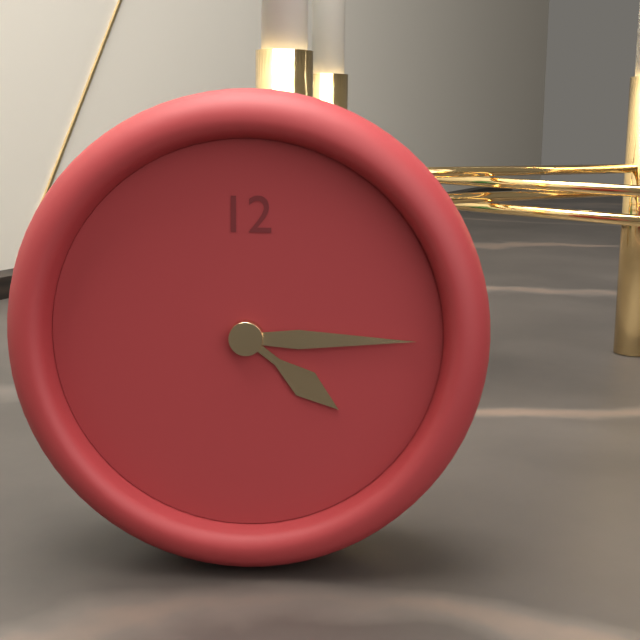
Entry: h=4 m=15
